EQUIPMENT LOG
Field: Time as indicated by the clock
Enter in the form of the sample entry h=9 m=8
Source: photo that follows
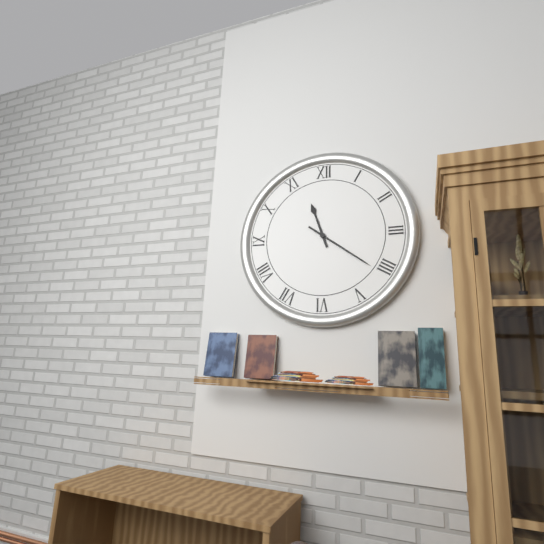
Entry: h=11 m=21
